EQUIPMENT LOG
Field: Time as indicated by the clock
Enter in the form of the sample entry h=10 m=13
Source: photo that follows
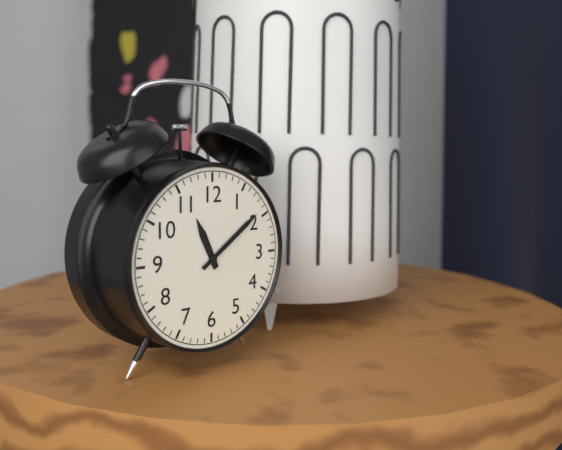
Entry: h=11 m=9
